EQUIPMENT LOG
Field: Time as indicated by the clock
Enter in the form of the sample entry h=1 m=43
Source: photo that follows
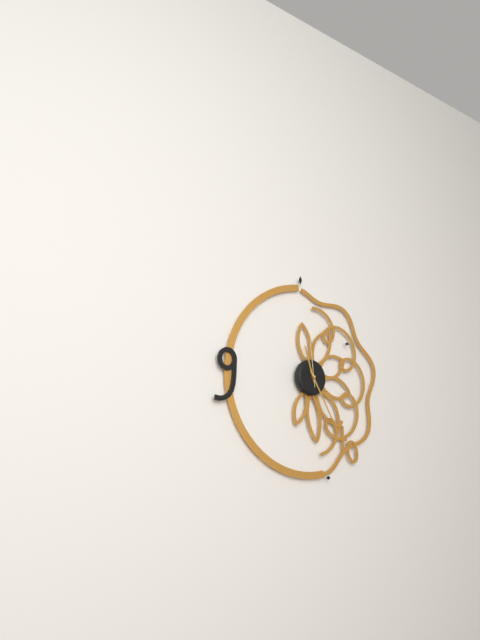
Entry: h=11 m=25
